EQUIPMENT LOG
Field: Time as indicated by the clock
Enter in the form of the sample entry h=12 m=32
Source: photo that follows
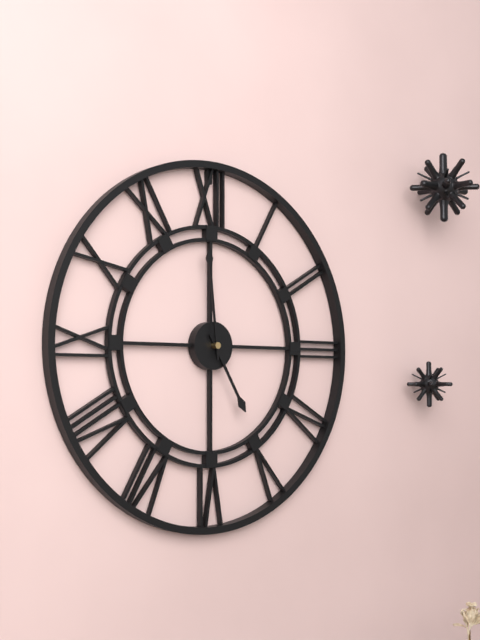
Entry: h=4 m=59
